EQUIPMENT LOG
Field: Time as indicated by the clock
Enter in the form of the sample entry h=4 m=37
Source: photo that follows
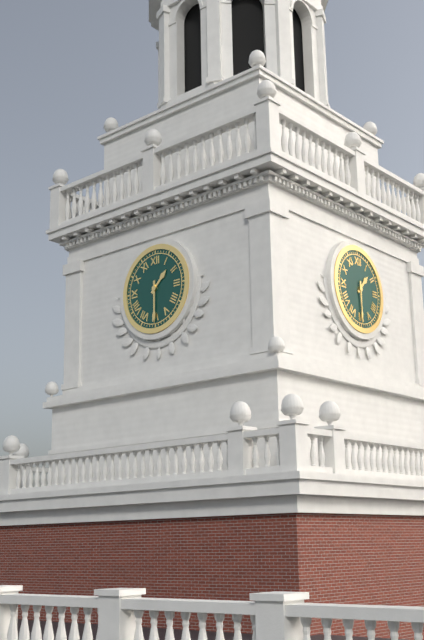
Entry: h=1 m=30
